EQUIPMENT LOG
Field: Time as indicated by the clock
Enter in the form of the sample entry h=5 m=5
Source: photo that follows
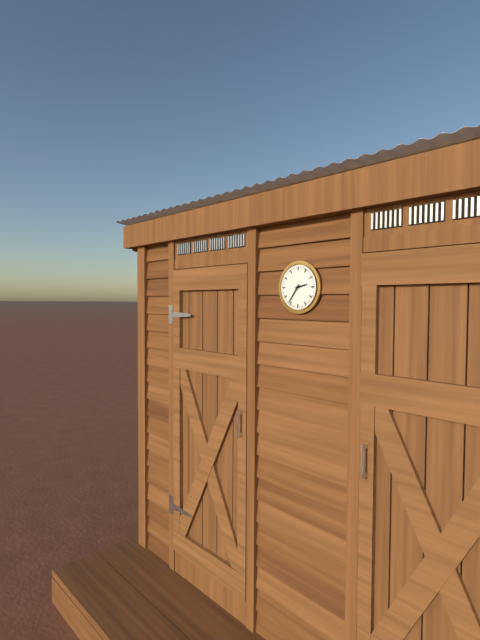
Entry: h=2 m=36
